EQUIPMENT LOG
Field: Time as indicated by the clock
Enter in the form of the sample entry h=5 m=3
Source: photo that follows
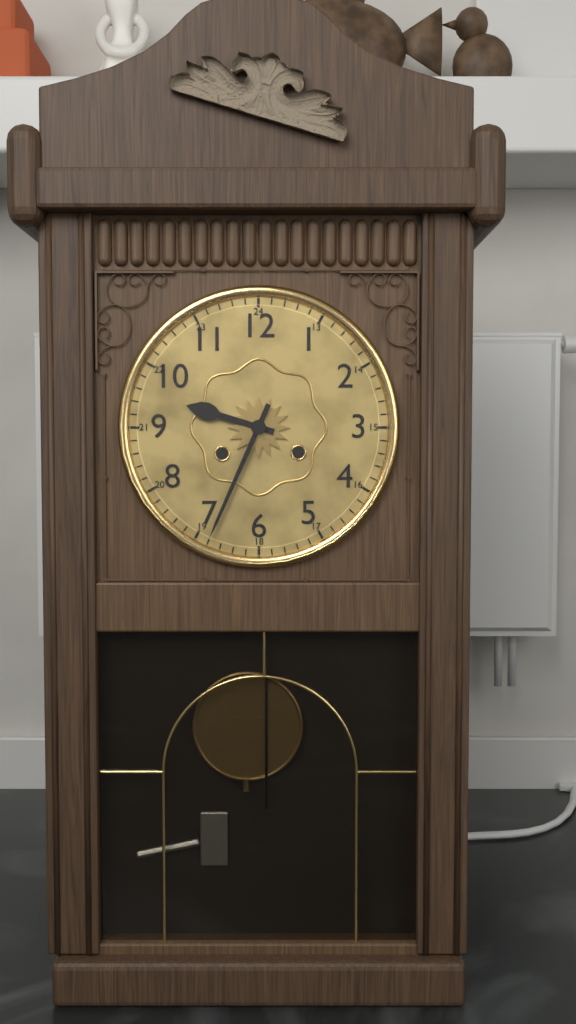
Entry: h=9 m=34
